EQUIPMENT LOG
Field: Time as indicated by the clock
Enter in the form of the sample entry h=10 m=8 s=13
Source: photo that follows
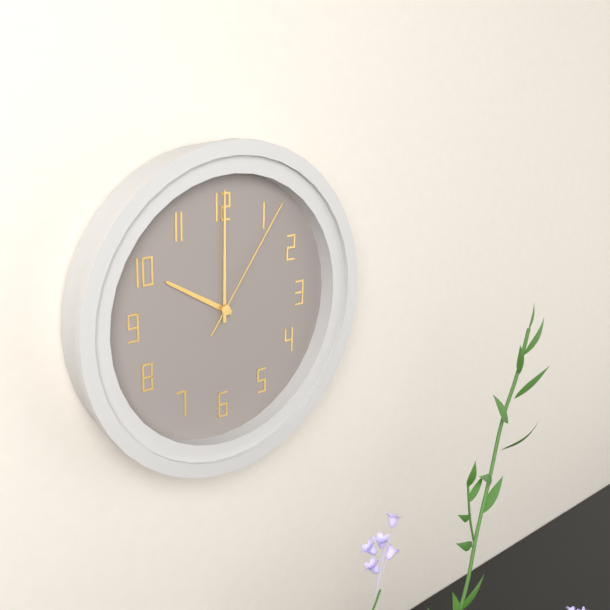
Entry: h=10 m=0 s=6
